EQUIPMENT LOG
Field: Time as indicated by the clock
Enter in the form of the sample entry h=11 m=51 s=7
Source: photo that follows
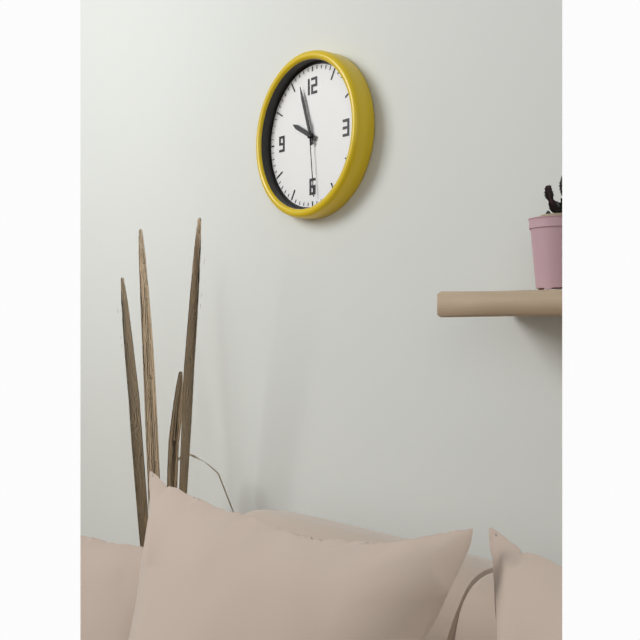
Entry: h=9 m=57 s=29
